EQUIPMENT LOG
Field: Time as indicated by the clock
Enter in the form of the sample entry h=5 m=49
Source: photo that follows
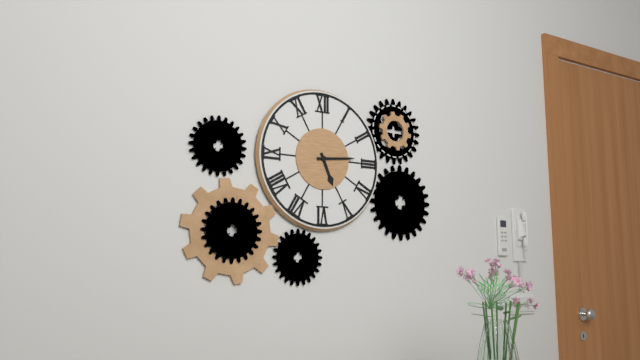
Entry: h=5 m=14
